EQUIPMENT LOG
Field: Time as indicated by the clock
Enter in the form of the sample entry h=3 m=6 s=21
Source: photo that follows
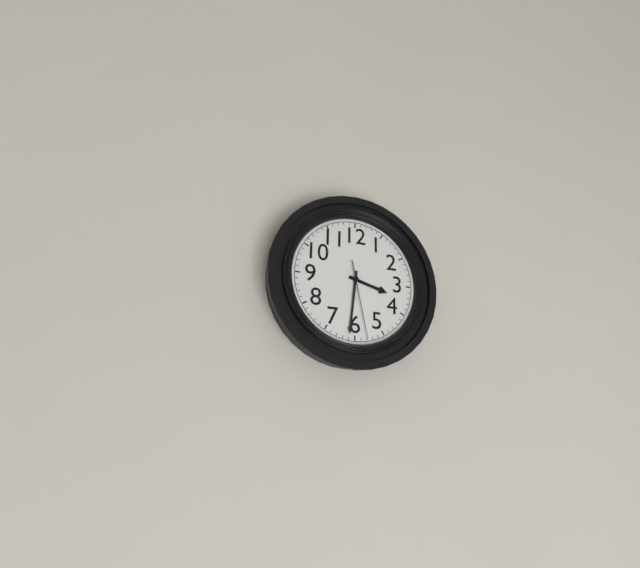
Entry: h=3 m=31 s=28
